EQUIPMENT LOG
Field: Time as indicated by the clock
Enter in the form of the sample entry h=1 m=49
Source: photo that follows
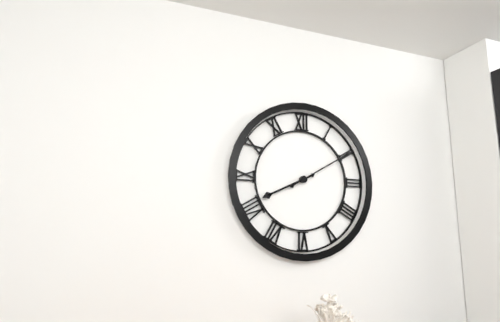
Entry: h=8 m=10
